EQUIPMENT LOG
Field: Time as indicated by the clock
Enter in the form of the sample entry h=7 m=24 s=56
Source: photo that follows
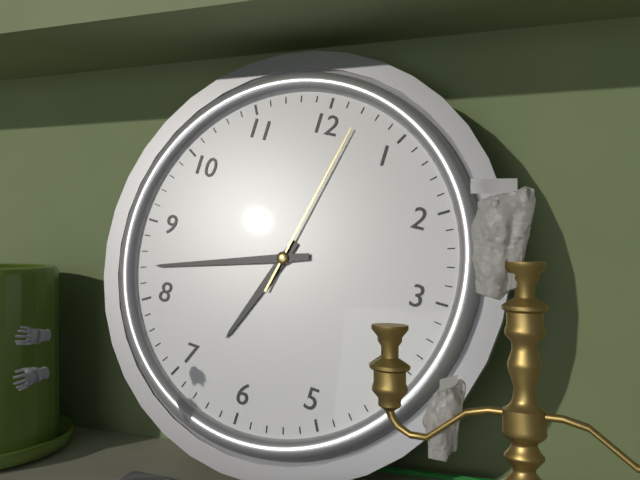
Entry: h=6 m=42 s=2
